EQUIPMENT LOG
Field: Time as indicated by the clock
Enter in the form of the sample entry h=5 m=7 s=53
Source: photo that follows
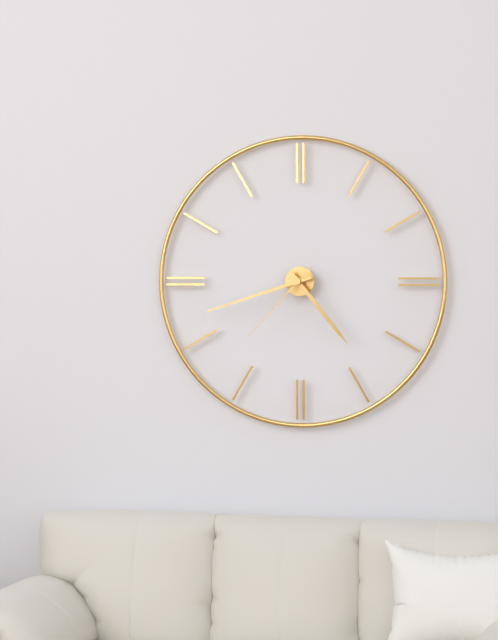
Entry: h=4 m=42 s=37
